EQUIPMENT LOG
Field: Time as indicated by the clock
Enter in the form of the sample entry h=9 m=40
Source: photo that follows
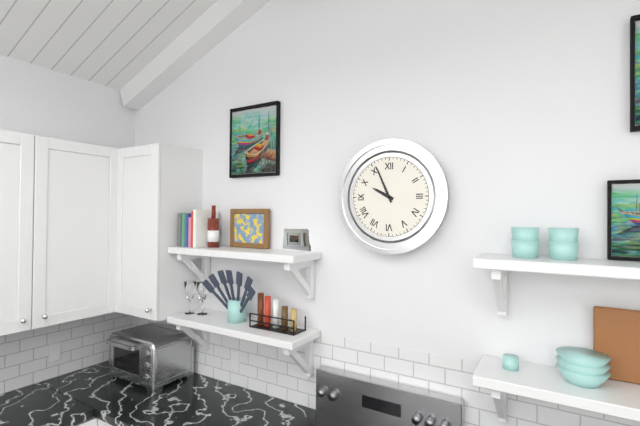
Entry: h=9 m=56
